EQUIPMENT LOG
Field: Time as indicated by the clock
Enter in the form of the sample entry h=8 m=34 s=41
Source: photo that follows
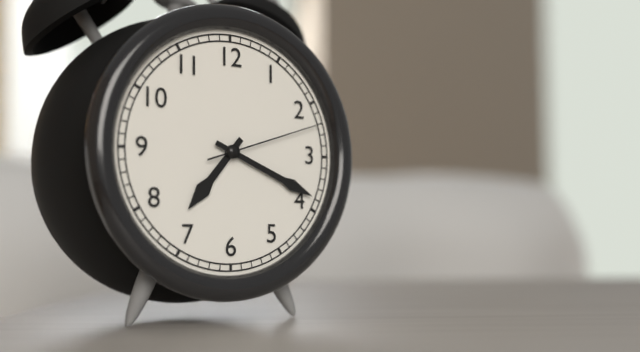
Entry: h=7 m=19 s=12
